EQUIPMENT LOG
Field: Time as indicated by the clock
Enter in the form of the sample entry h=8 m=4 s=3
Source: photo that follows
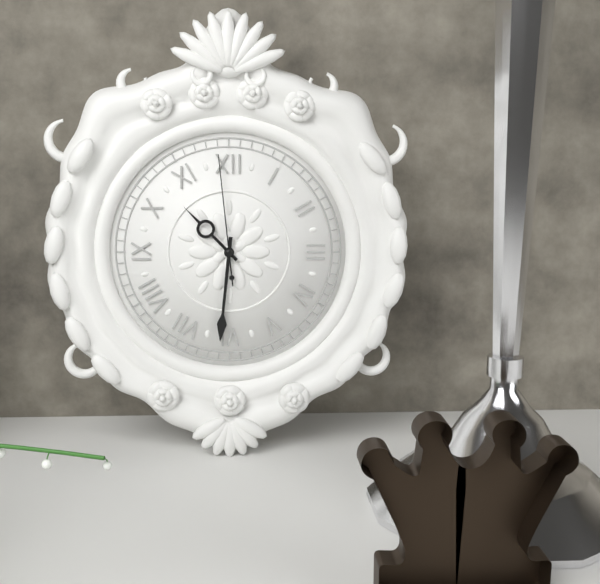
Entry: h=10 m=31 s=59
